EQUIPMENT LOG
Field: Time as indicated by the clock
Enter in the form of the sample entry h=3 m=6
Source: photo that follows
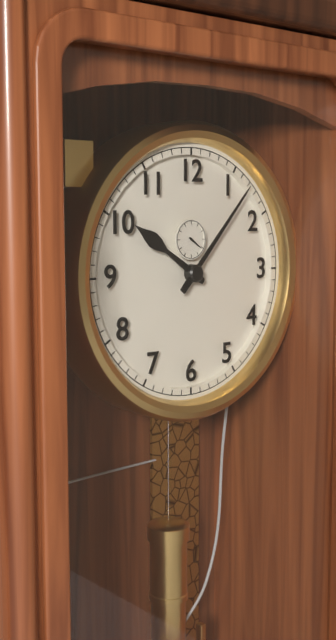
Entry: h=10 m=7
